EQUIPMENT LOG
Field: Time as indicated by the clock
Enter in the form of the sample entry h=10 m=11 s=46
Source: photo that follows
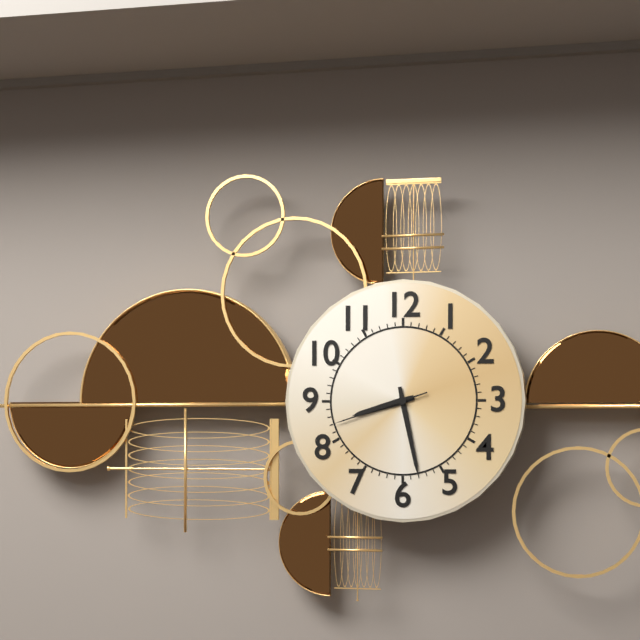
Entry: h=8 m=28 s=42
